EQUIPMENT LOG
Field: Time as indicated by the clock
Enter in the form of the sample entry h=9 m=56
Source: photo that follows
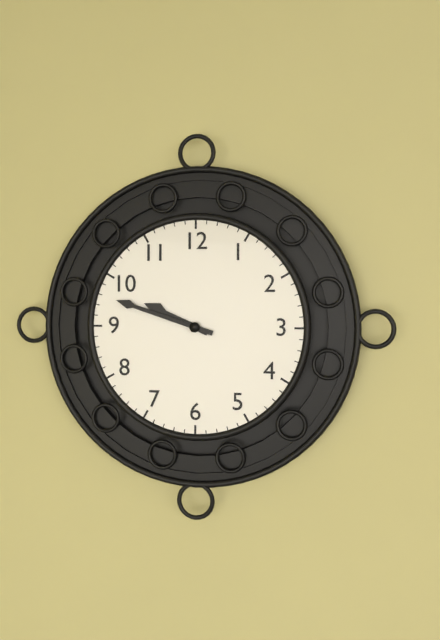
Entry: h=9 m=48
